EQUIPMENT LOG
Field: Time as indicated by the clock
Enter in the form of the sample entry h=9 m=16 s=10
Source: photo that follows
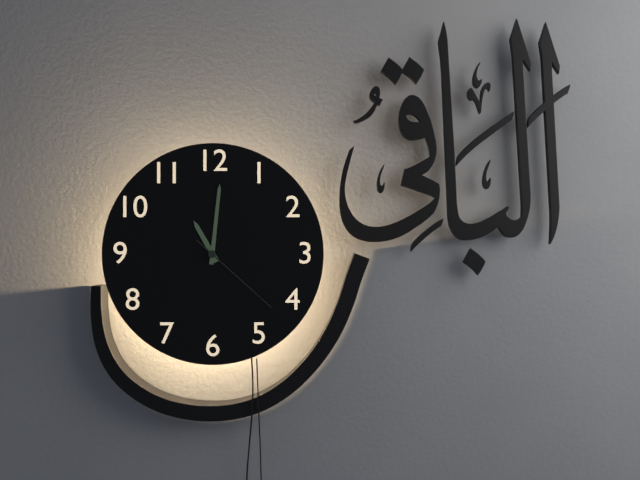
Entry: h=11 m=1 s=22
